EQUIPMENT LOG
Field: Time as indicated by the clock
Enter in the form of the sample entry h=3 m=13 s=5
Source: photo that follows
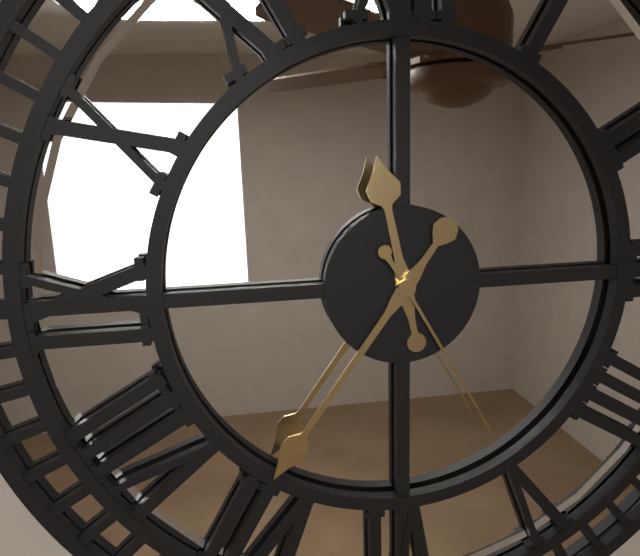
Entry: h=11 m=36 s=25
